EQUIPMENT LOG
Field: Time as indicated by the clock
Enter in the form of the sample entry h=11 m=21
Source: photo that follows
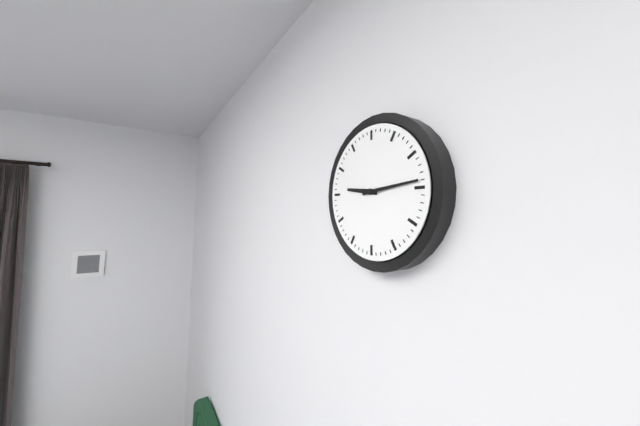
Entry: h=9 m=14
